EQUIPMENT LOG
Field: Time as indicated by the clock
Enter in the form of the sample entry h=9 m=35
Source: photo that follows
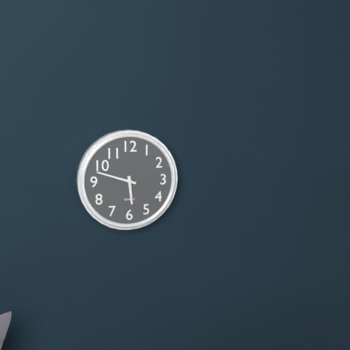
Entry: h=5 m=48
